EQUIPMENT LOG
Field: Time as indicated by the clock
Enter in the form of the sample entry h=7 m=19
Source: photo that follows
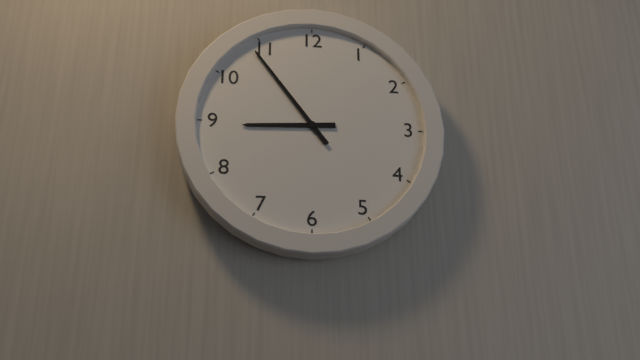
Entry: h=8 m=54
